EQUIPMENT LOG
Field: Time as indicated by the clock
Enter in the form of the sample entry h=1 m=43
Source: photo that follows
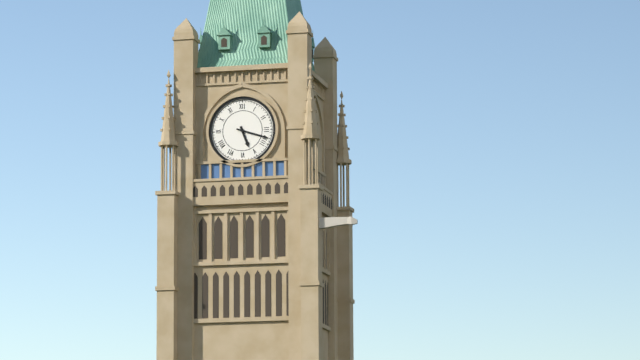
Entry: h=5 m=18
